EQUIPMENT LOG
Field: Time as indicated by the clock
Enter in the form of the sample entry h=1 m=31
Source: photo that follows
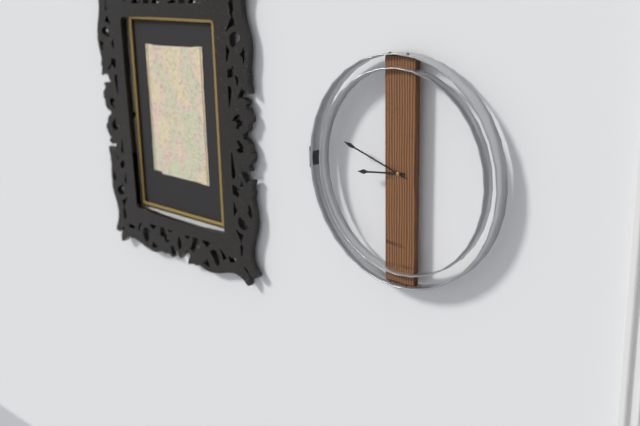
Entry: h=8 m=48
